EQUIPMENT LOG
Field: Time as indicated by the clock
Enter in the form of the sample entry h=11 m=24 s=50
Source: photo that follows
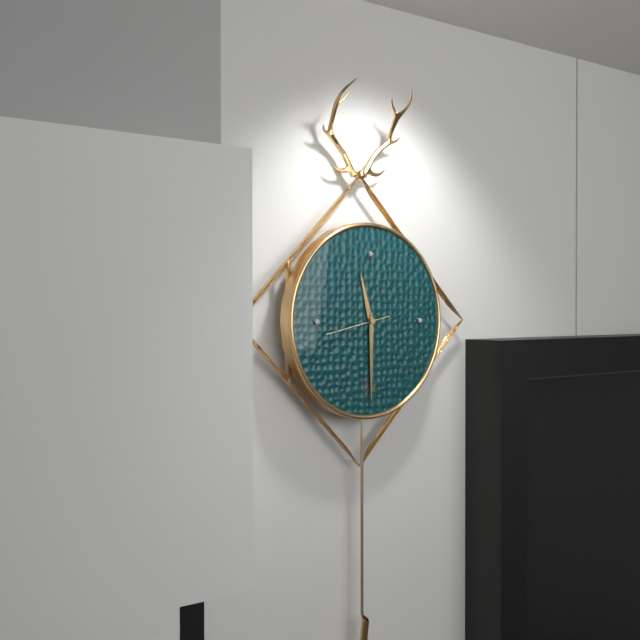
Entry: h=11 m=30 s=43
